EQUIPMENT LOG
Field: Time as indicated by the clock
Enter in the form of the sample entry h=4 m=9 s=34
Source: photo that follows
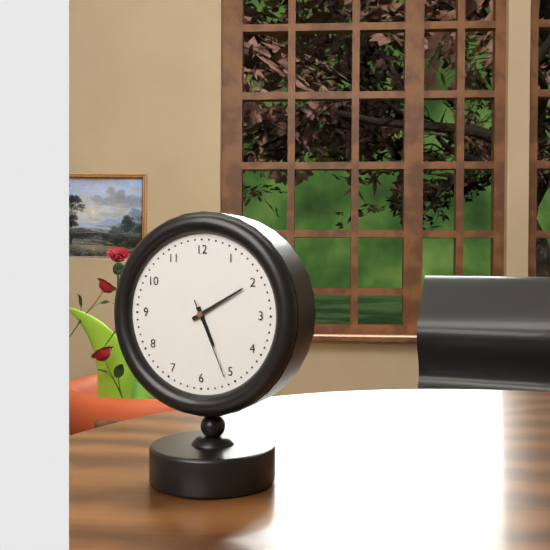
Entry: h=5 m=10 s=26
